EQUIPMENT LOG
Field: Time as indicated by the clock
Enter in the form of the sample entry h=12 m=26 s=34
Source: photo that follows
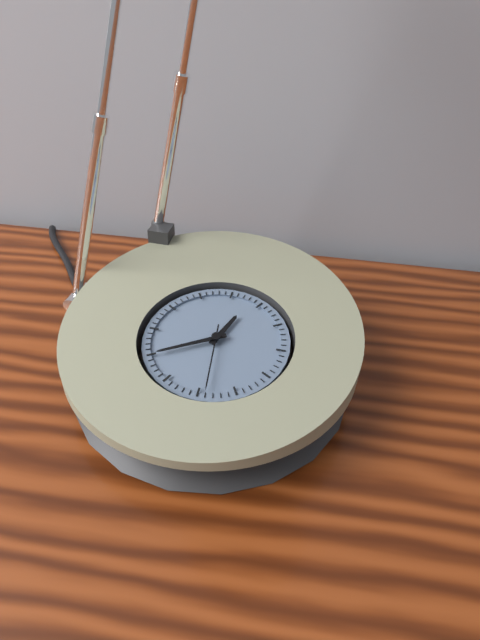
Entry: h=12 m=40 s=29
